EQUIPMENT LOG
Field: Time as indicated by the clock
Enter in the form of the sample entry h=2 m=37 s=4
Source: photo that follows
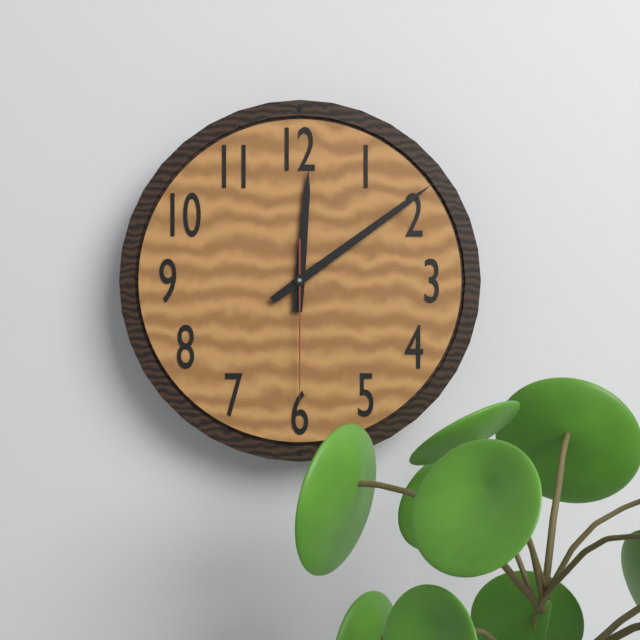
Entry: h=12 m=9 s=30
